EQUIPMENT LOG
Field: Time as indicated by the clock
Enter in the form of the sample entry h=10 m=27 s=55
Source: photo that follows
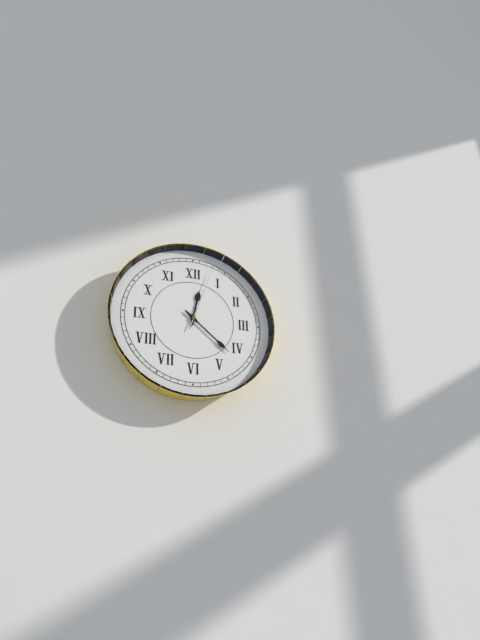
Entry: h=12 m=22 s=3
